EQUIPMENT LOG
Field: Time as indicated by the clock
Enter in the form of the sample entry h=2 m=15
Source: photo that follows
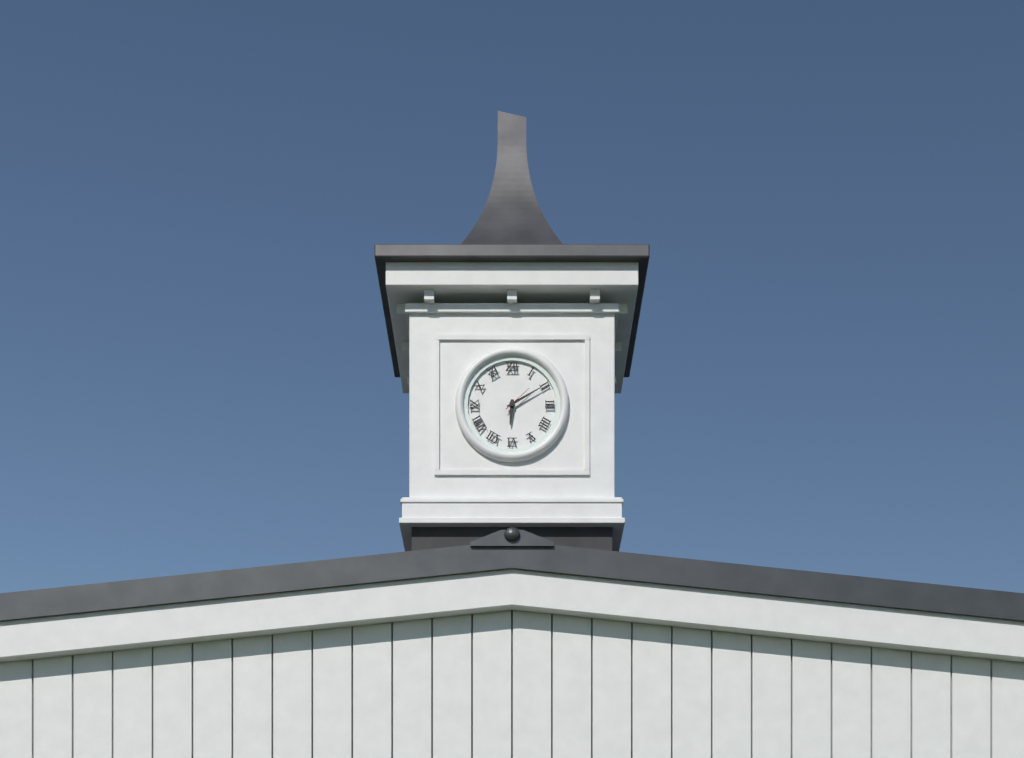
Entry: h=6 m=10
